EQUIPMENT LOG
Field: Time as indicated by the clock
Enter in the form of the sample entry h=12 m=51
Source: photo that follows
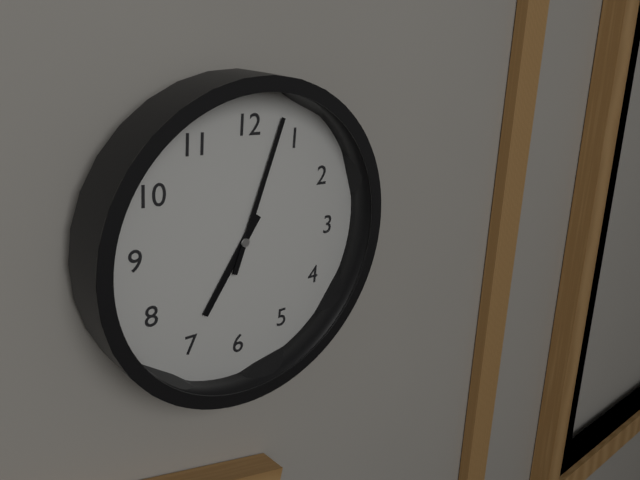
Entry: h=7 m=3
